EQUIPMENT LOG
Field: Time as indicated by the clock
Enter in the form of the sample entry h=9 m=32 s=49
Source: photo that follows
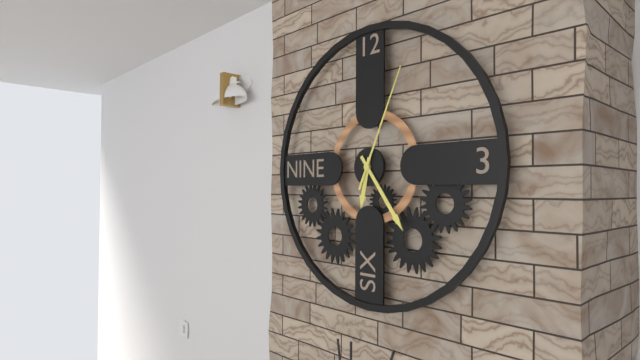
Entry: h=6 m=24 s=4
